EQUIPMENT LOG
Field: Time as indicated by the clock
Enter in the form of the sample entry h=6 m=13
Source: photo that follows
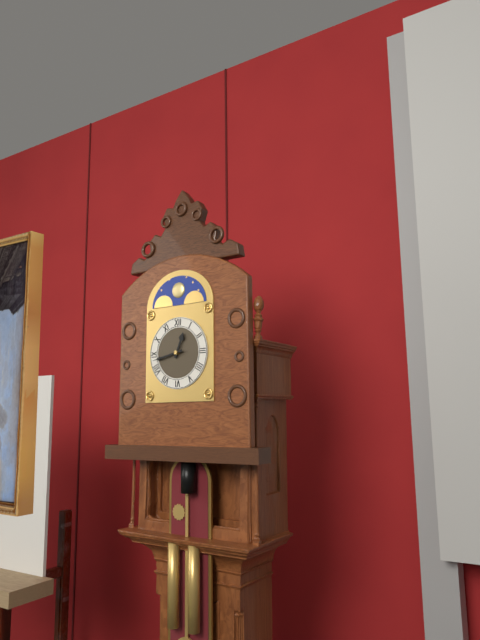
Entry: h=12 m=43
